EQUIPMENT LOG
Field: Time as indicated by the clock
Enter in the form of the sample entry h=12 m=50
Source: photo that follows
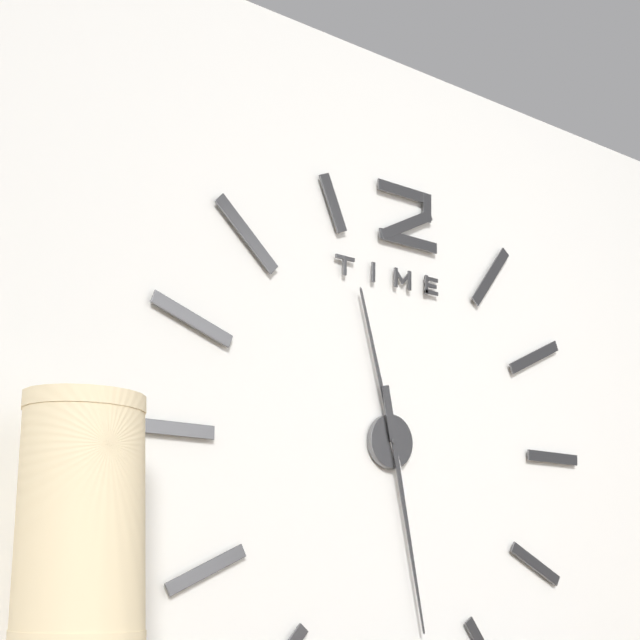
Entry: h=11 m=28
